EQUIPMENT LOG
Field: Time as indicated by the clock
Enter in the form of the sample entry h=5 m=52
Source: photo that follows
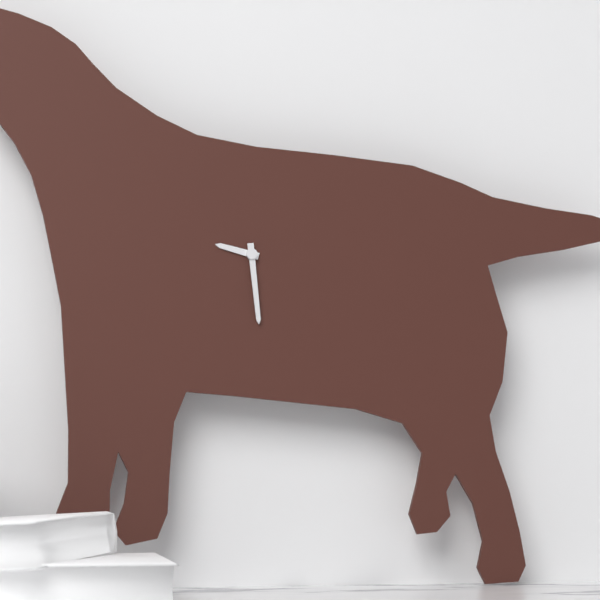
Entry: h=9 m=29
